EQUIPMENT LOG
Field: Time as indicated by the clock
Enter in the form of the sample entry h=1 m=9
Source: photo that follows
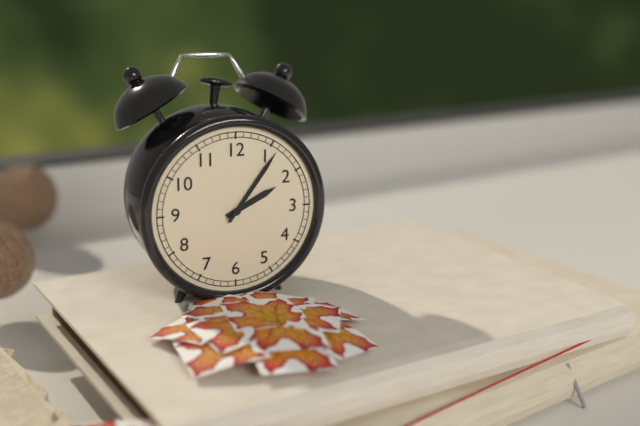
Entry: h=2 m=6
